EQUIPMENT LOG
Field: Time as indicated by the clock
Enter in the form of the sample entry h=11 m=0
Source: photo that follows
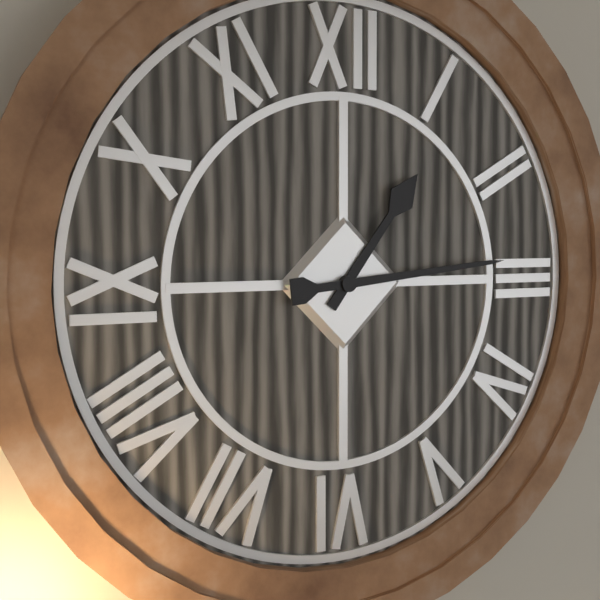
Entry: h=1 m=14
